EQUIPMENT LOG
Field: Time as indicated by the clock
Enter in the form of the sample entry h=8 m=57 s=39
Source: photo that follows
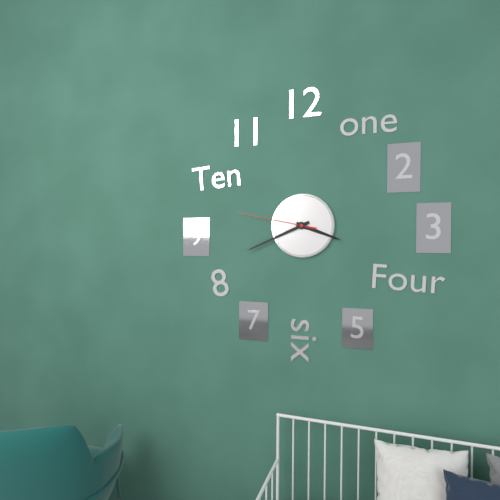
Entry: h=3 m=41 s=47
